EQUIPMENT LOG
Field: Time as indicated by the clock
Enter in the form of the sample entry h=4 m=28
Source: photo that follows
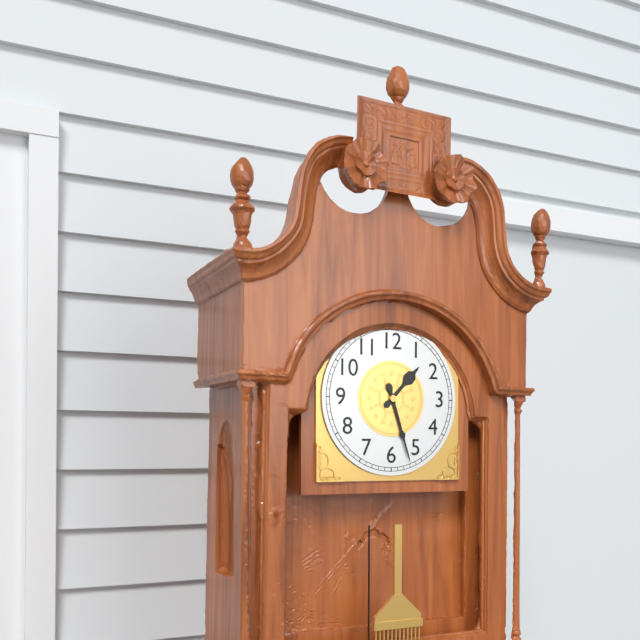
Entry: h=1 m=27
